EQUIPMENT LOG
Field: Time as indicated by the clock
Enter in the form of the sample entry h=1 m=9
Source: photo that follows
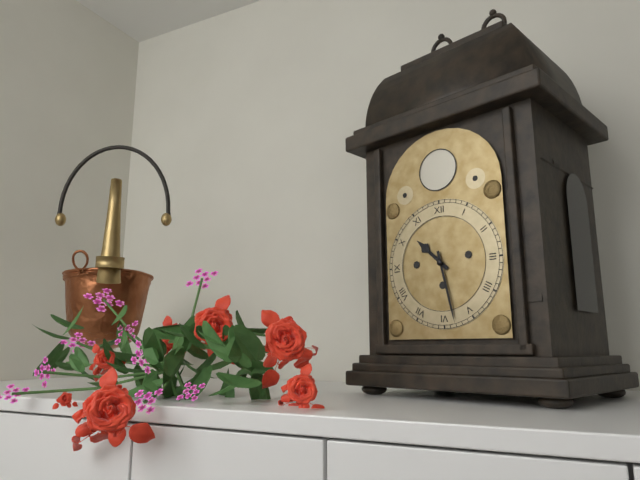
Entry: h=10 m=28
